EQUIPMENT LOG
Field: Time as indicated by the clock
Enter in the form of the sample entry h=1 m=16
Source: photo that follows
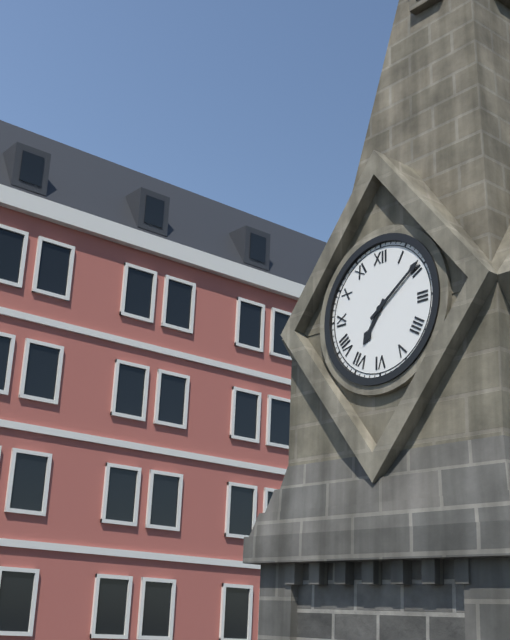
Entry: h=7 m=9
